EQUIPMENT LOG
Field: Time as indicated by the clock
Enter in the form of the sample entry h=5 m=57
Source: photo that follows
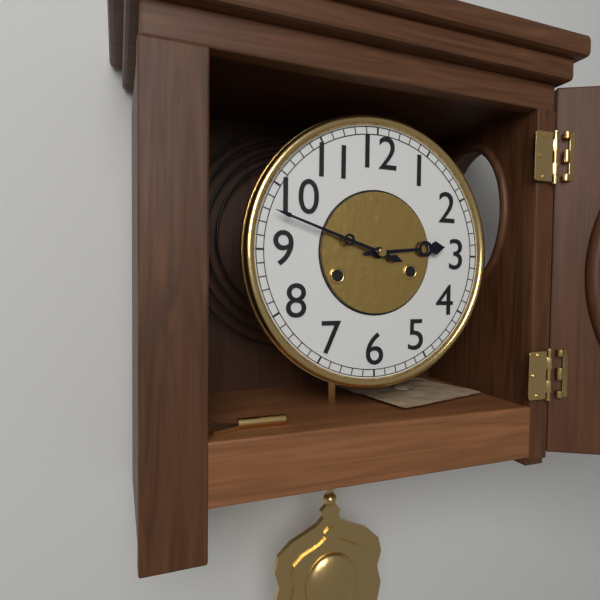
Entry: h=2 m=48
